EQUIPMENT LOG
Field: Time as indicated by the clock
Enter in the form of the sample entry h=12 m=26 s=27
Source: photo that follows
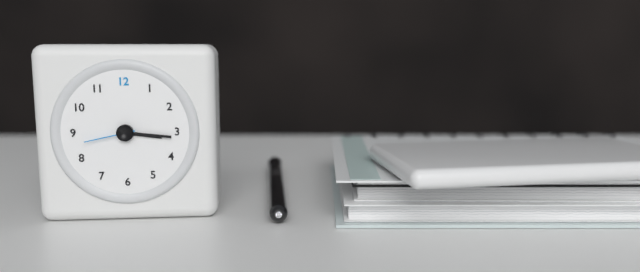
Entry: h=3 m=16 s=43
